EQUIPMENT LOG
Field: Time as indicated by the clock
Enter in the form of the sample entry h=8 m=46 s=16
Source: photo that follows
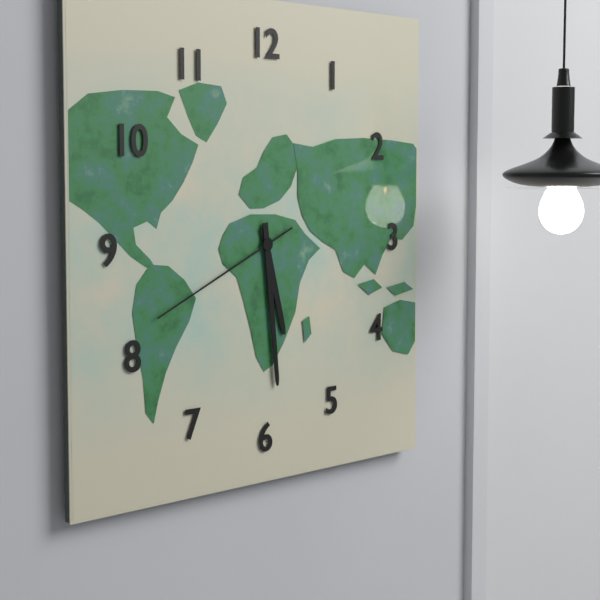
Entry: h=5 m=29 s=41
